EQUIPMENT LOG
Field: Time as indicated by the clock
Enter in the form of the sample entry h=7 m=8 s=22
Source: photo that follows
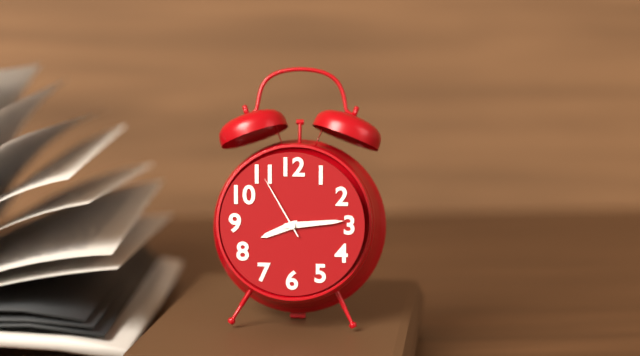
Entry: h=8 m=14 s=55
